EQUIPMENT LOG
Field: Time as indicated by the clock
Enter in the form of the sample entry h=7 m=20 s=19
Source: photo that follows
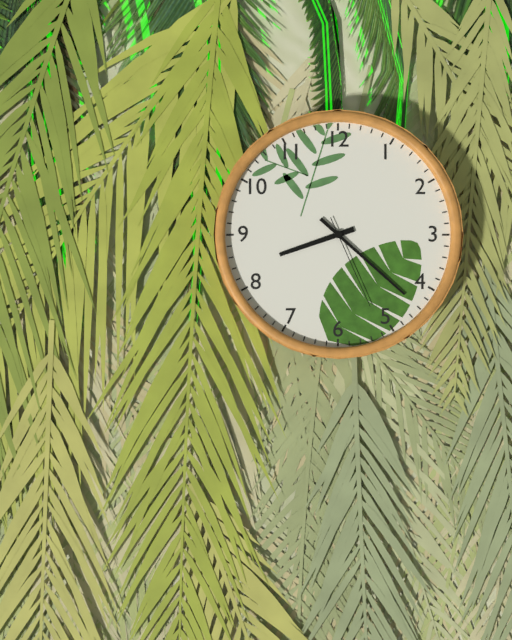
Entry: h=8 m=22 s=26
